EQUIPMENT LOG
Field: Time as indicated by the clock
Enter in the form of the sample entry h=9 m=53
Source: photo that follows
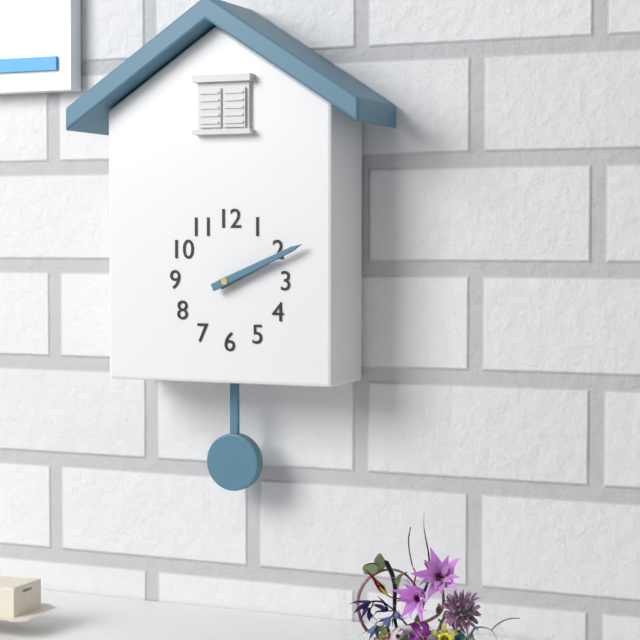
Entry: h=2 m=11
